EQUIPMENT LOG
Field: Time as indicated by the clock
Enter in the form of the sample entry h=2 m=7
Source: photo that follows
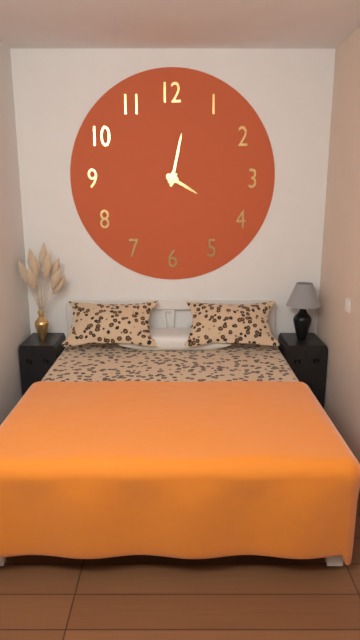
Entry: h=4 m=2
